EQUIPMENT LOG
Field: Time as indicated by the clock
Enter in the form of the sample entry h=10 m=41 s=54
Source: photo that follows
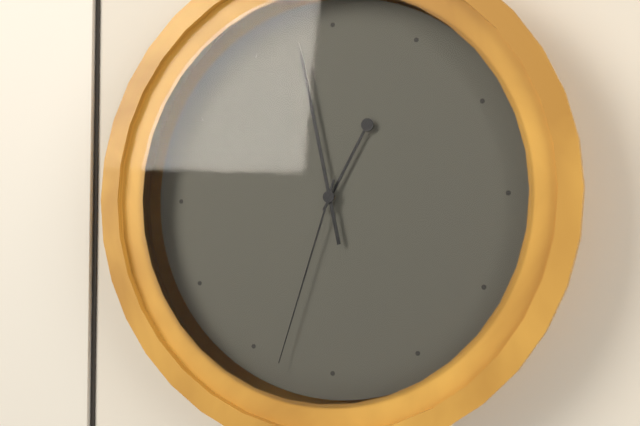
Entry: h=12 m=58 s=33
